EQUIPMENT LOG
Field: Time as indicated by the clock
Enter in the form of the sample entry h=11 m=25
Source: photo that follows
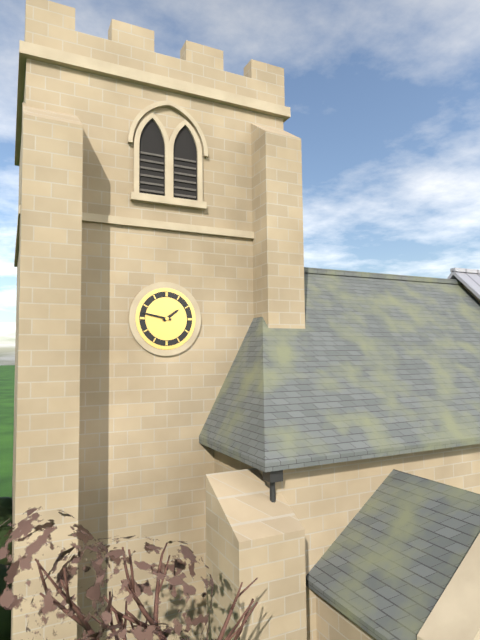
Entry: h=1 m=47
